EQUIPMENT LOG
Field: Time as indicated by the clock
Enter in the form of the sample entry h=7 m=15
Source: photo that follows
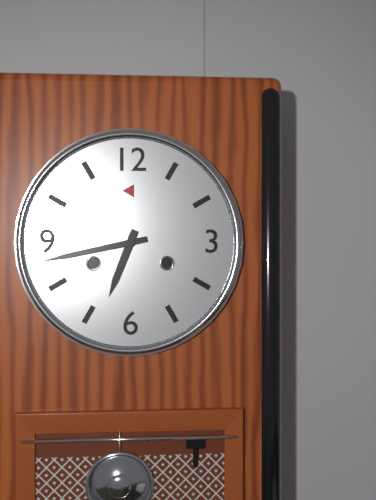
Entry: h=6 m=43
